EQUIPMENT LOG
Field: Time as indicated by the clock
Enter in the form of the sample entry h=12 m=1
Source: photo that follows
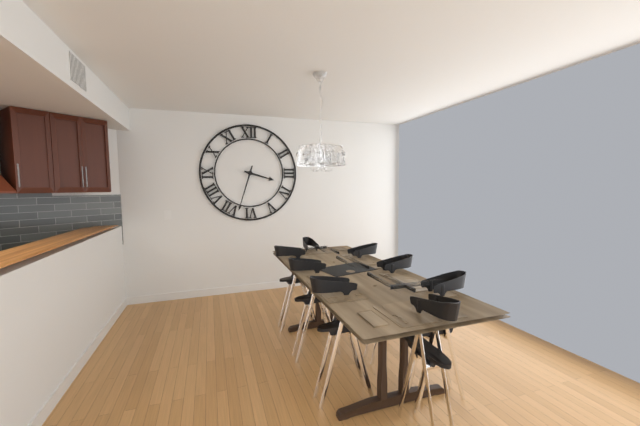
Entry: h=3 m=33
